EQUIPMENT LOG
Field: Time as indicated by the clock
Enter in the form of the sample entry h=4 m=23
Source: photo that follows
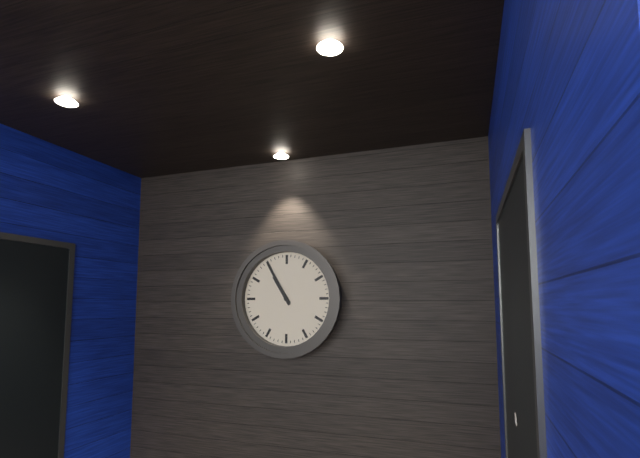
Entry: h=10 m=55
